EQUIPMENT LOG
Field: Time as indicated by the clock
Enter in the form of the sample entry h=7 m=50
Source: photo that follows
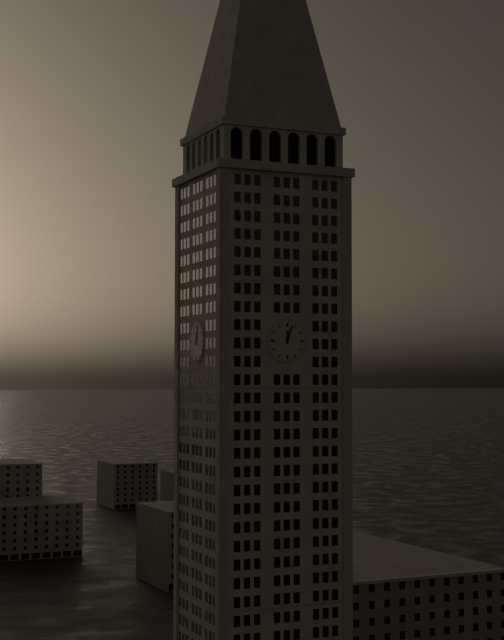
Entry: h=12 m=3
